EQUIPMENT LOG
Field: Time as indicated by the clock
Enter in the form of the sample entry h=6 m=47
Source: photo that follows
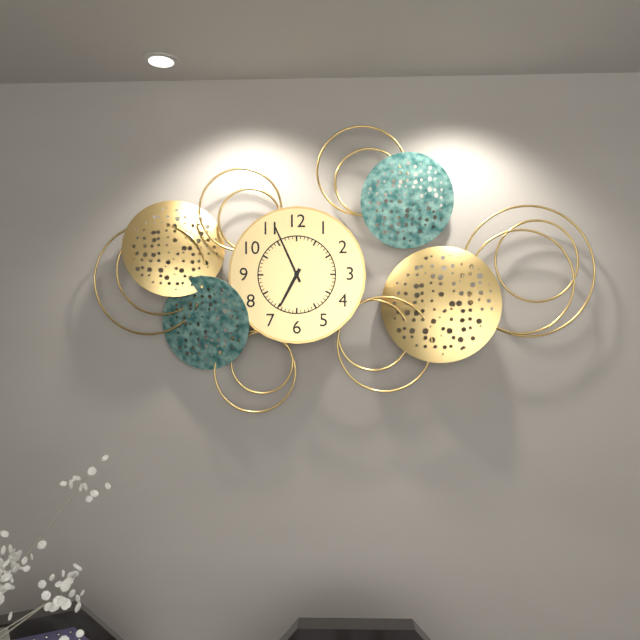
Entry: h=6 m=56
